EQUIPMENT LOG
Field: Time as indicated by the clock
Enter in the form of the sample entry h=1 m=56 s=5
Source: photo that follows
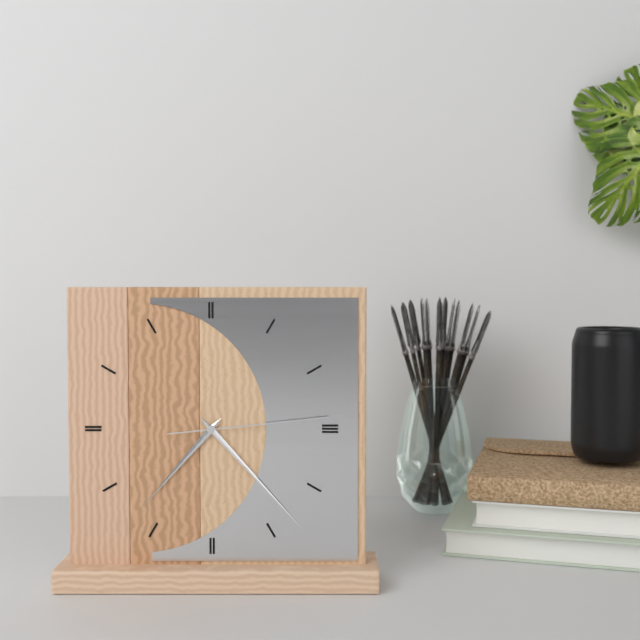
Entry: h=7 m=23 s=14
